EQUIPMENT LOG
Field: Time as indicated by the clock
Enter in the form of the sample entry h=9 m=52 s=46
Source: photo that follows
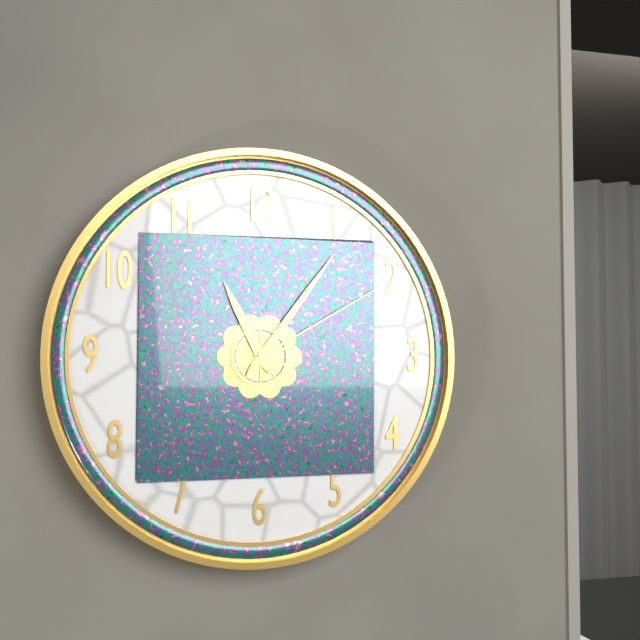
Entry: h=11 m=6 s=10
